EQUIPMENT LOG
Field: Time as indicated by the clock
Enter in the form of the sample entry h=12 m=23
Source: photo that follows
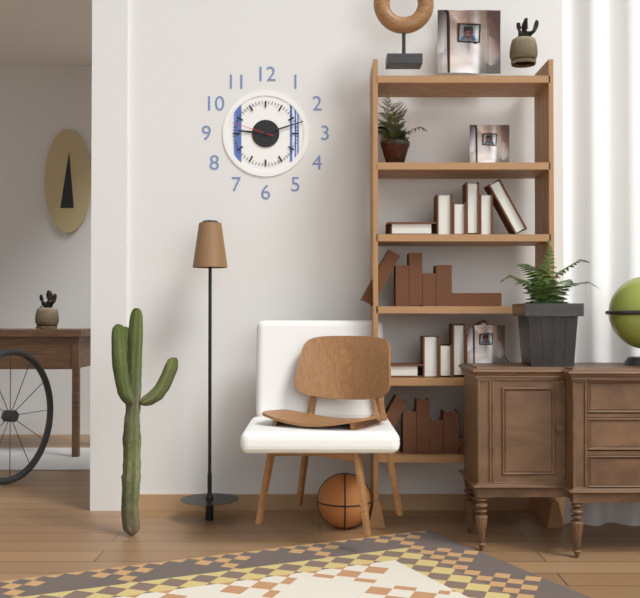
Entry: h=9 m=12
